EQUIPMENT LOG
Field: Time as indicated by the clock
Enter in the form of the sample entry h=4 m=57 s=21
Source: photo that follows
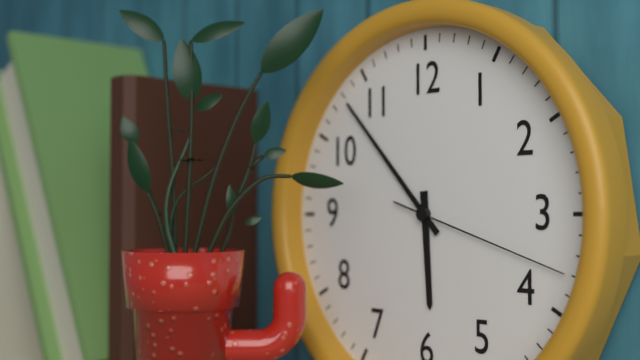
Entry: h=5 m=53 s=18
